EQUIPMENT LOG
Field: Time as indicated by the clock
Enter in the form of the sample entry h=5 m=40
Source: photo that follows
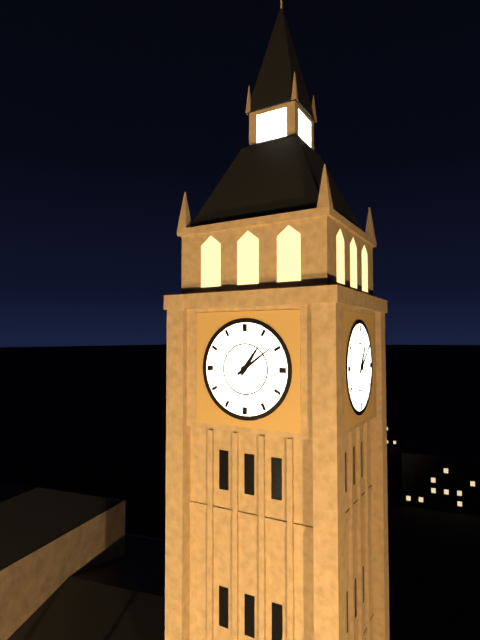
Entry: h=1 m=9
